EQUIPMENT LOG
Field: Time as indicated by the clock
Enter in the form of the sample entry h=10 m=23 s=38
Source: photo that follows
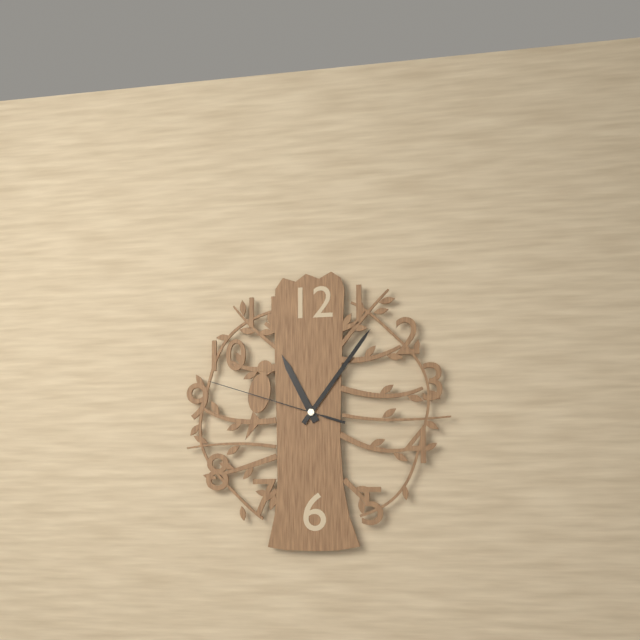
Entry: h=11 m=6 s=48
